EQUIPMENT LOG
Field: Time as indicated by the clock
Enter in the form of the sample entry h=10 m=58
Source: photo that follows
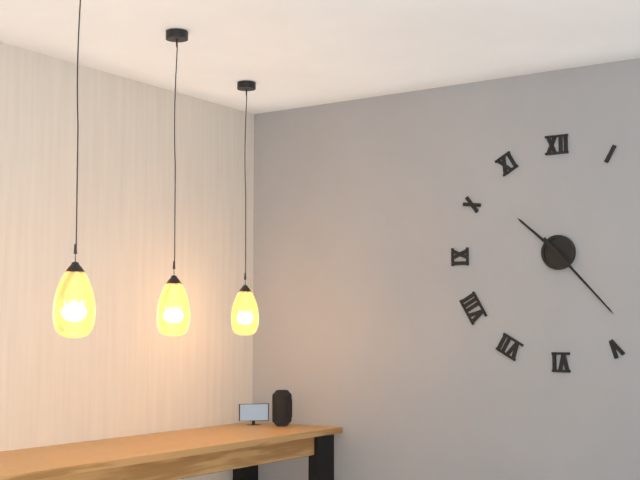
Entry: h=10 m=23
